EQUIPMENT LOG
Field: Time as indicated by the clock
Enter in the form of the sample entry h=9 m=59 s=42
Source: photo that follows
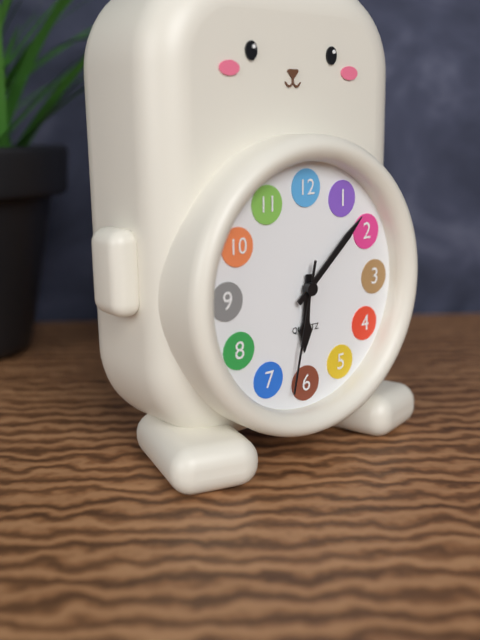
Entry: h=6 m=8 s=32
